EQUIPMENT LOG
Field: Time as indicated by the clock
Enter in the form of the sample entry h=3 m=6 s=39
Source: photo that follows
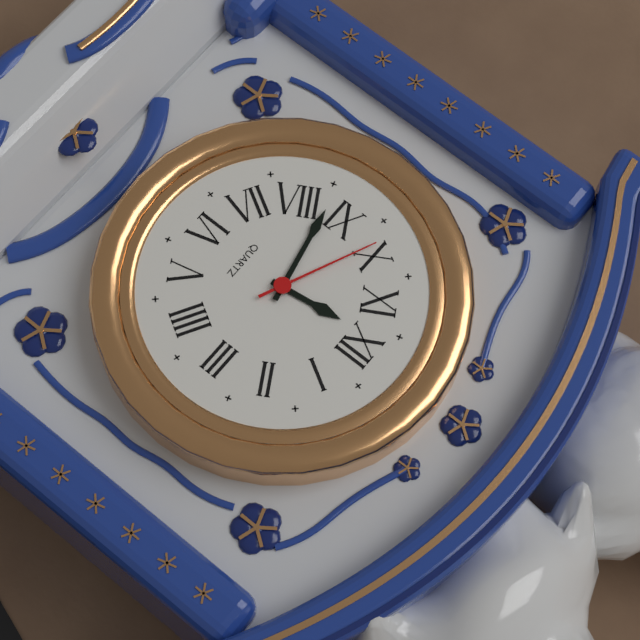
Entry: h=11 m=43 s=49
